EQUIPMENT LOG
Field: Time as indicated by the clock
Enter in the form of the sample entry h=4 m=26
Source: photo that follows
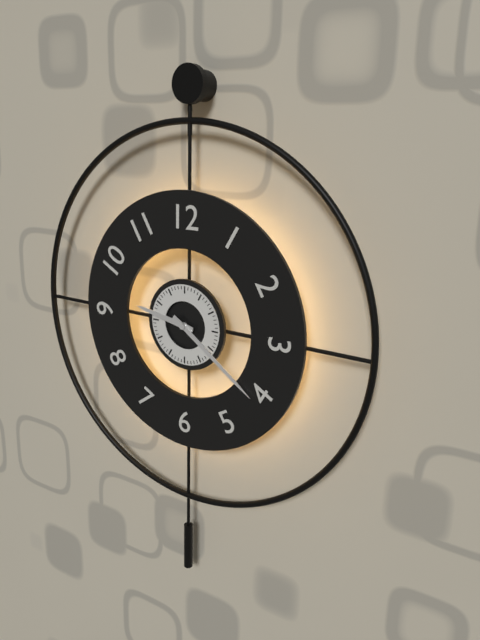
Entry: h=9 m=21
